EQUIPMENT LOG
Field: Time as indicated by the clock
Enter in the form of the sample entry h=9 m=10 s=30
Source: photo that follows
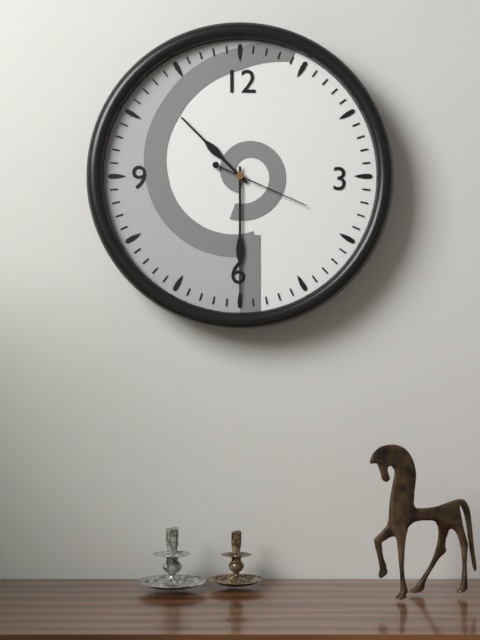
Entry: h=10 m=30 s=19
